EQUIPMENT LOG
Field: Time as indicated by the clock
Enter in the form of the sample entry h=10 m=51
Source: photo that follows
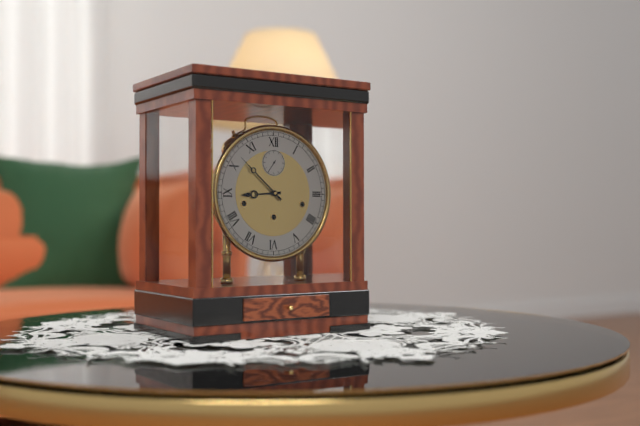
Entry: h=8 m=52
